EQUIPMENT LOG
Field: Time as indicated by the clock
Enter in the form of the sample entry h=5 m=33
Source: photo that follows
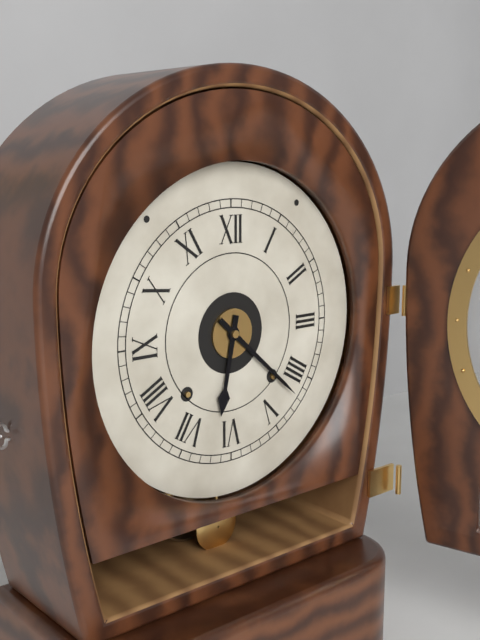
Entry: h=6 m=22
